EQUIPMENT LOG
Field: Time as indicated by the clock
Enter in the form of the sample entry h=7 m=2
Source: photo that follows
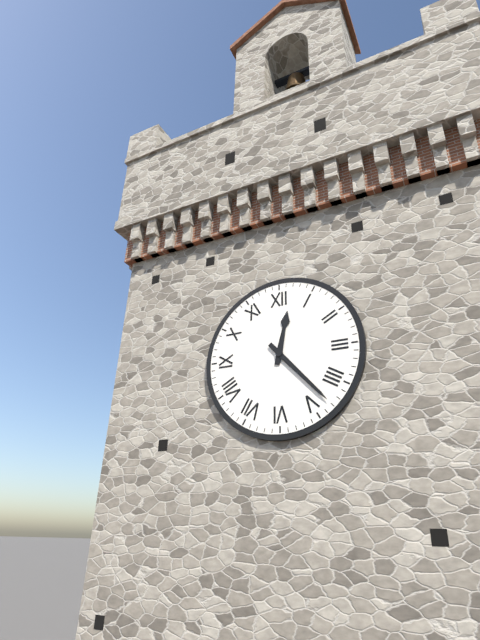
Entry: h=12 m=23
